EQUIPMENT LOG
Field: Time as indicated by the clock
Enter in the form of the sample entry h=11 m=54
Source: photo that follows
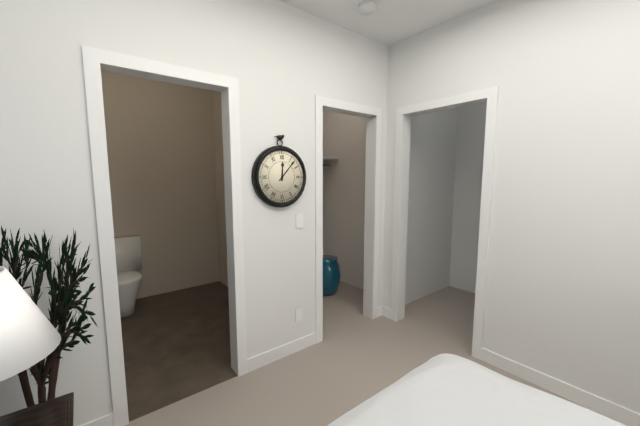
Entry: h=12 m=7
